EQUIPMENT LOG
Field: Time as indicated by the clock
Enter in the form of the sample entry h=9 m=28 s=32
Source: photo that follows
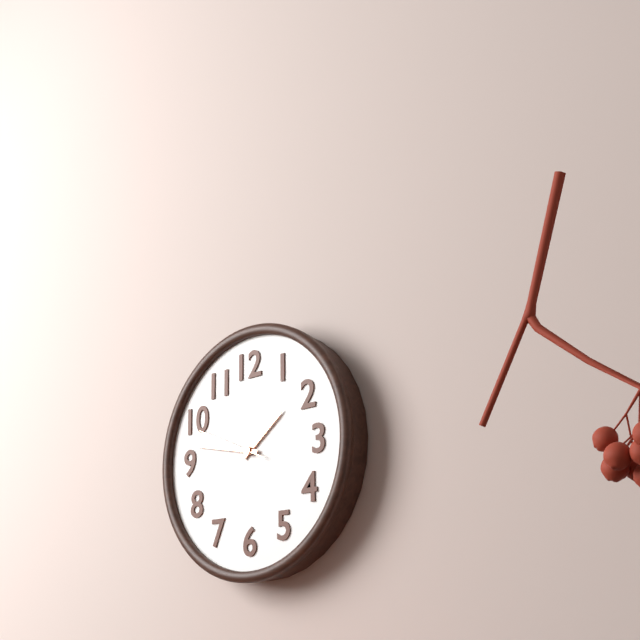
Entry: h=1 m=47 s=49
